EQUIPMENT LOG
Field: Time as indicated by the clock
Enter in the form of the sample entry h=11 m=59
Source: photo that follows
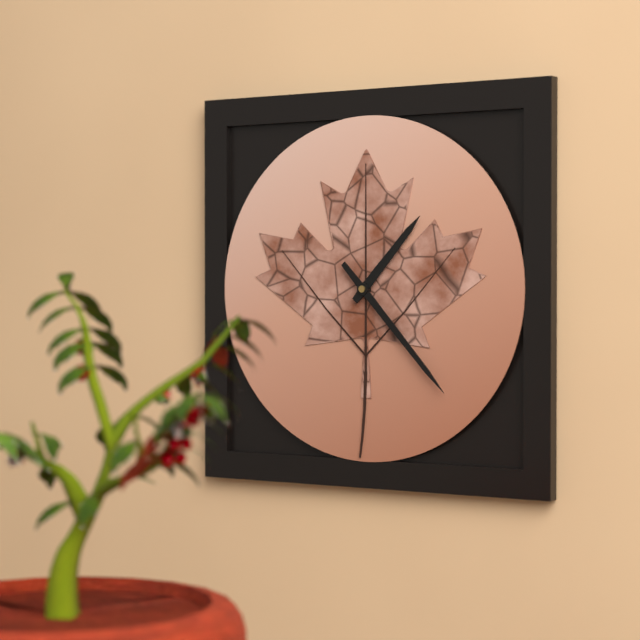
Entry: h=1 m=23
